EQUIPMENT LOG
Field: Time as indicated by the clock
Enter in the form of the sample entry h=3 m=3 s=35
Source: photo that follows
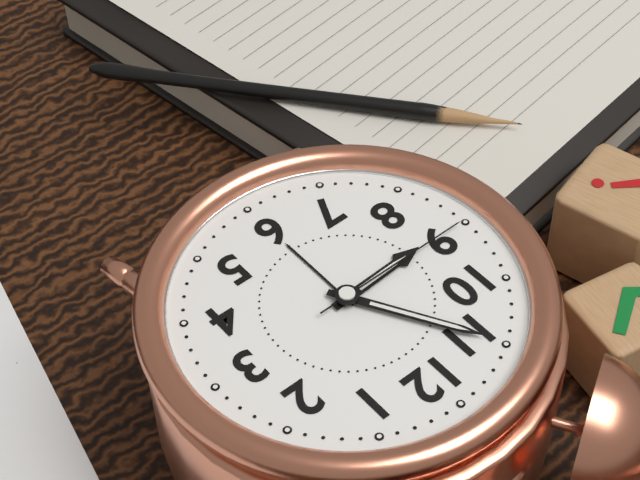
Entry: h=8 m=55 s=45
